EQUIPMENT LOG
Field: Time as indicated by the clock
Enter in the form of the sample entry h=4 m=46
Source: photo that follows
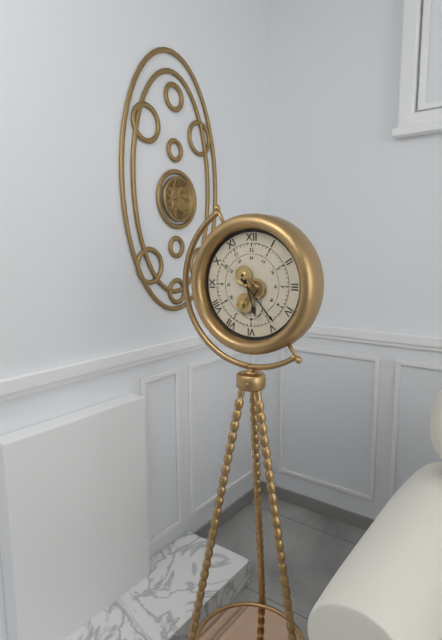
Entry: h=5 m=23
